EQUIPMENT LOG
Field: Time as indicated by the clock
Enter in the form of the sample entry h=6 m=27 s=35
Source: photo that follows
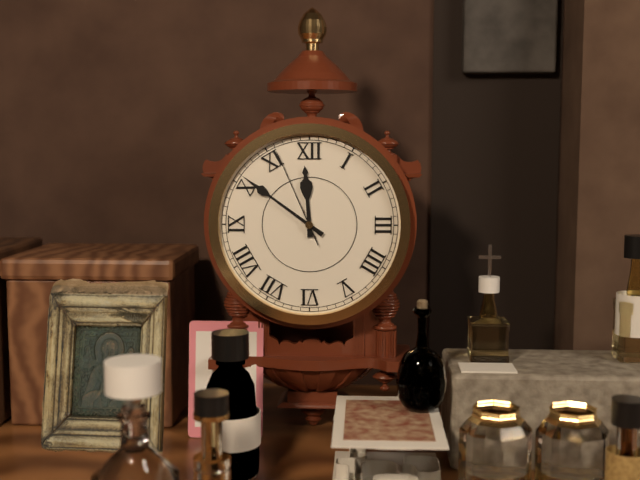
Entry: h=11 m=51 s=56
